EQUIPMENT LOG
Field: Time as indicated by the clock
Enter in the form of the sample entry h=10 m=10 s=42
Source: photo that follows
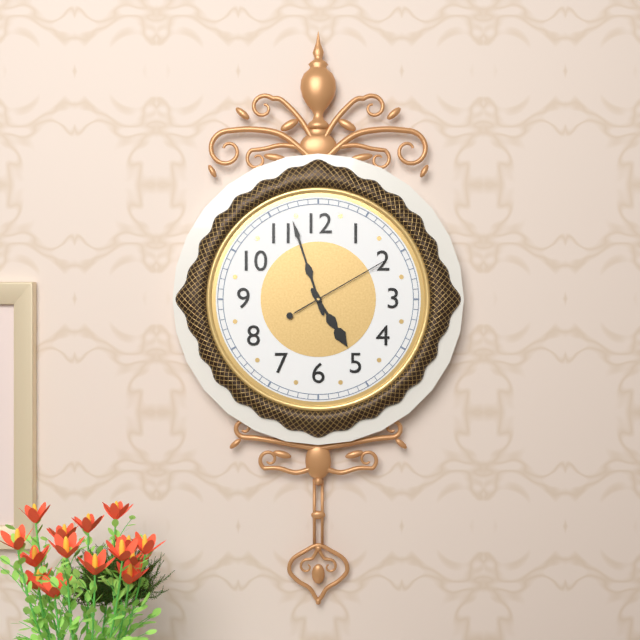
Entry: h=4 m=57 s=10
